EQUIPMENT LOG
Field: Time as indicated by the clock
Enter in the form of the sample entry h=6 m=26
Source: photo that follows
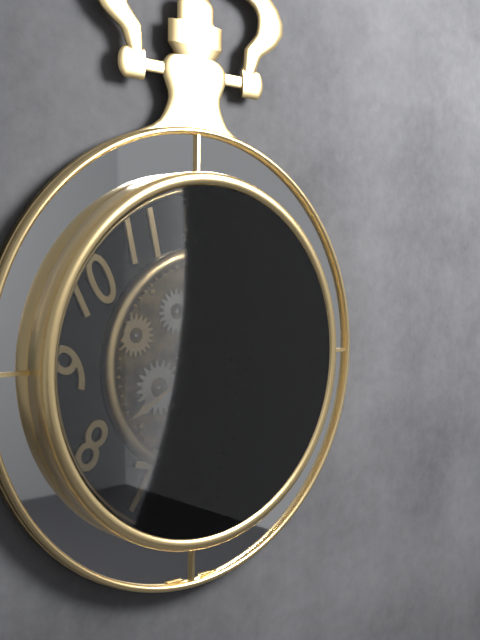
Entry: h=8 m=3
